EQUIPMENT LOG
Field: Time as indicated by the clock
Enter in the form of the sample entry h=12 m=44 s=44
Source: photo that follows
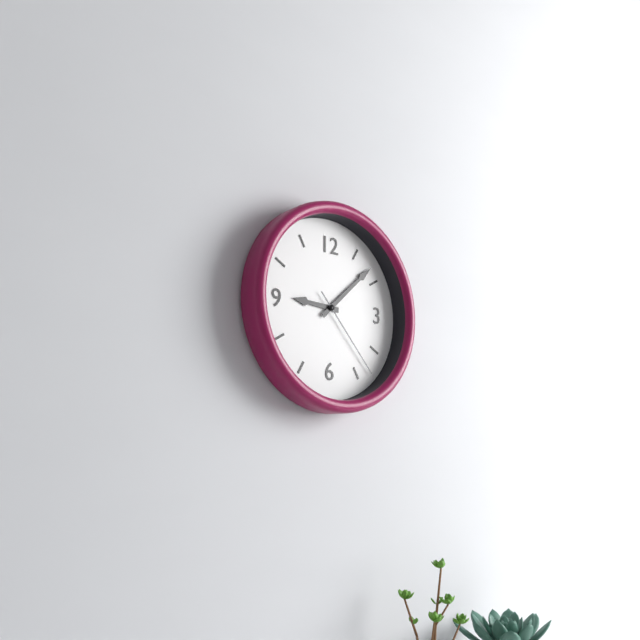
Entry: h=9 m=8 s=23
